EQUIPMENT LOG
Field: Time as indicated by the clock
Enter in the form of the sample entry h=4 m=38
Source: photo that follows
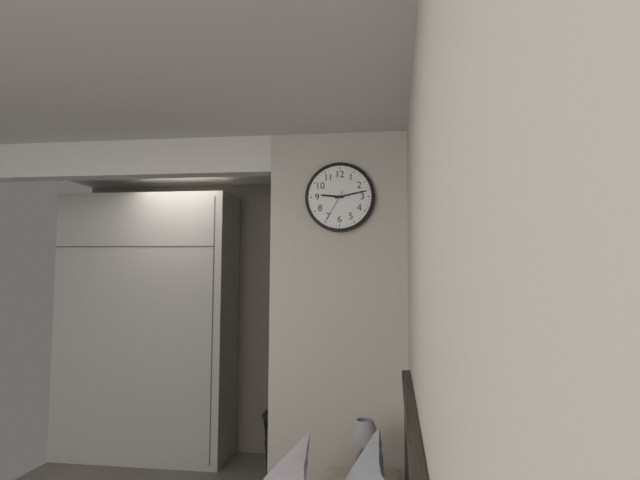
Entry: h=9 m=13
